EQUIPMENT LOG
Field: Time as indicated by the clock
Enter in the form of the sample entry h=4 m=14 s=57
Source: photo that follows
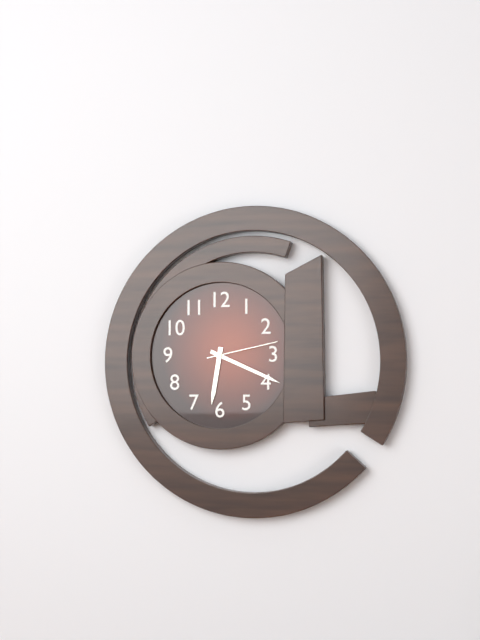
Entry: h=6 m=19 s=13
